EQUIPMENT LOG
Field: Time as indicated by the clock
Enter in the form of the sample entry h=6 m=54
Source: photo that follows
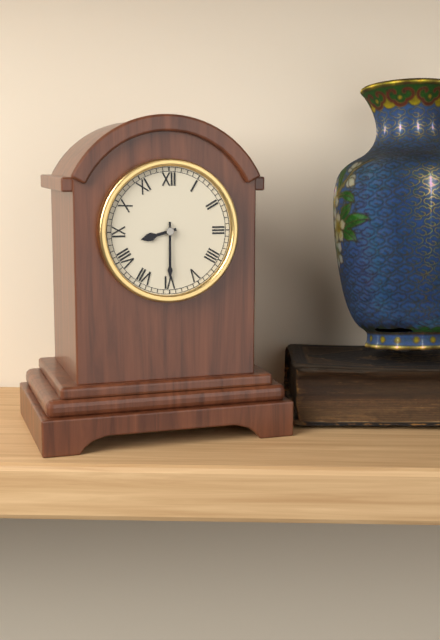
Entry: h=8 m=30
